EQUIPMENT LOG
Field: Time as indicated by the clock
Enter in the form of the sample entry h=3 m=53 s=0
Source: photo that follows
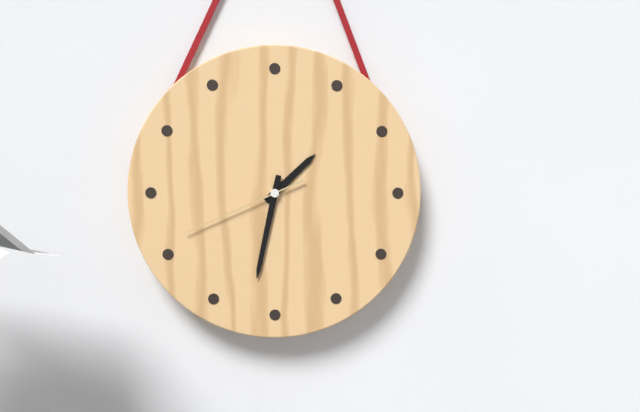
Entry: h=1 m=32 s=41
